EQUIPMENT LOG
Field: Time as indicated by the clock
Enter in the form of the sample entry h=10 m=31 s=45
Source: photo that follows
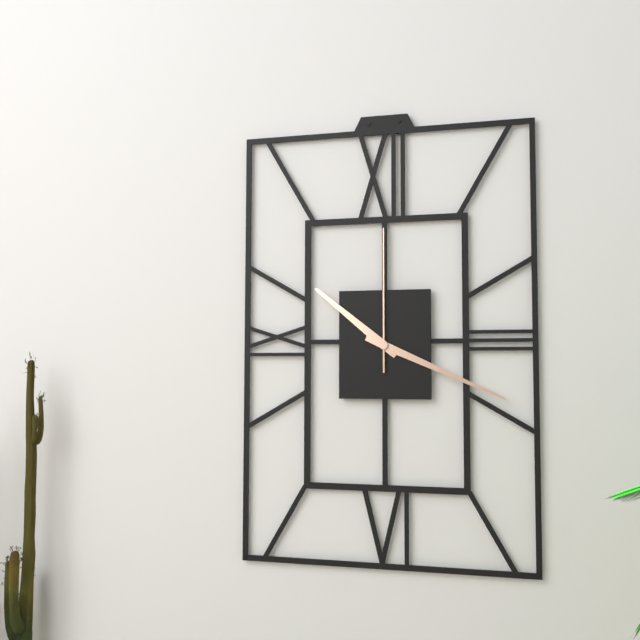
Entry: h=10 m=19 s=0
